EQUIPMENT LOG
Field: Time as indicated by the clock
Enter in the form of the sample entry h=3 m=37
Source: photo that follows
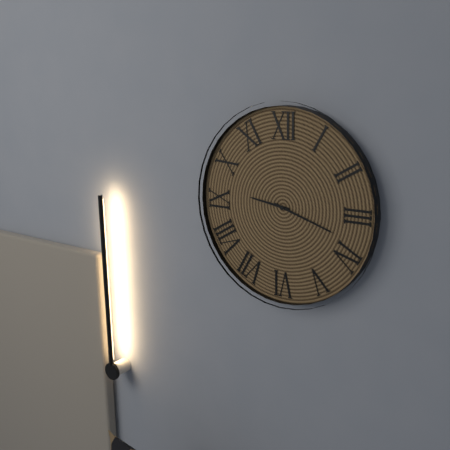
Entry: h=9 m=18
